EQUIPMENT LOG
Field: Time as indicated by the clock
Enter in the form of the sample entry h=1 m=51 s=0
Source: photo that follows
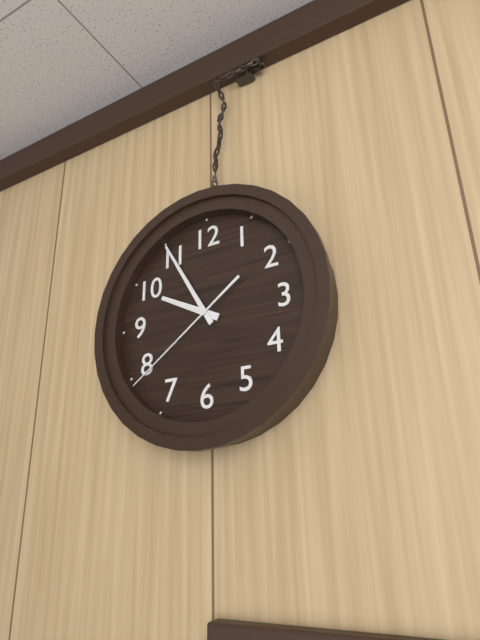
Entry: h=9 m=55 s=39
